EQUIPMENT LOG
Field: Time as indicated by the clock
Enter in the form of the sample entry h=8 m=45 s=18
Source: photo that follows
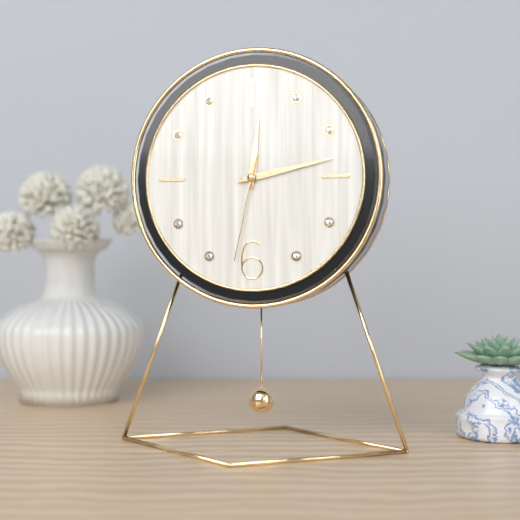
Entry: h=12 m=13 s=32
